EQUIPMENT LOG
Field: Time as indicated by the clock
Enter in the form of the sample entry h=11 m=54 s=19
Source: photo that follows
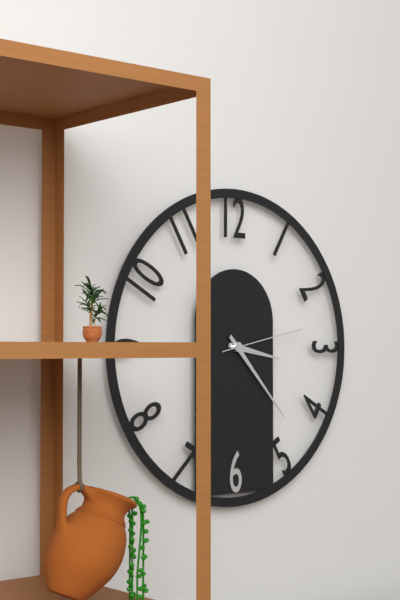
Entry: h=3 m=23 s=13
